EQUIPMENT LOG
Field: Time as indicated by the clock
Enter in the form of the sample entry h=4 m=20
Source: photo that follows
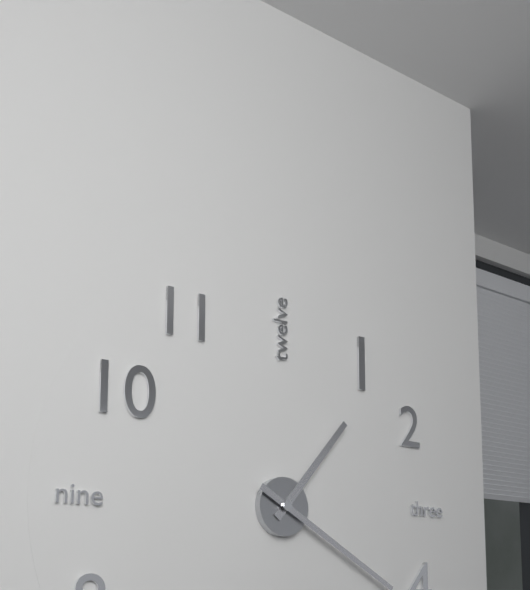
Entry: h=1 m=20
